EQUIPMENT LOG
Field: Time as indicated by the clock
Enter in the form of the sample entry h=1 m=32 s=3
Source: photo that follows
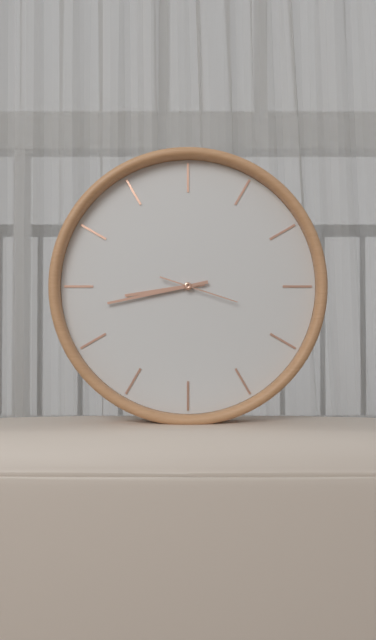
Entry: h=8 m=43 s=18
